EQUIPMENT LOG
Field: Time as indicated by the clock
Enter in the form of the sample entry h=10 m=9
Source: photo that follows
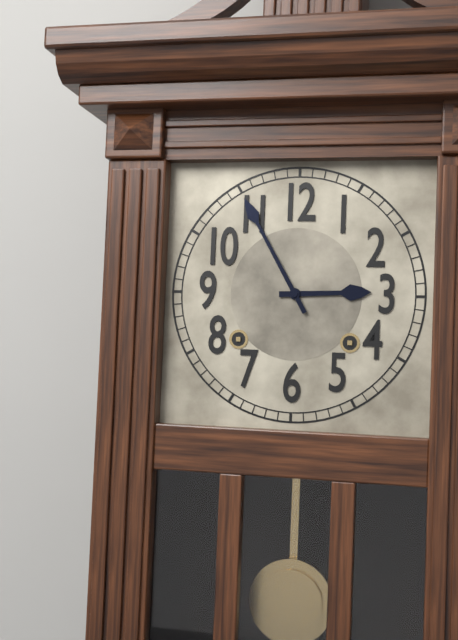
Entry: h=2 m=55
